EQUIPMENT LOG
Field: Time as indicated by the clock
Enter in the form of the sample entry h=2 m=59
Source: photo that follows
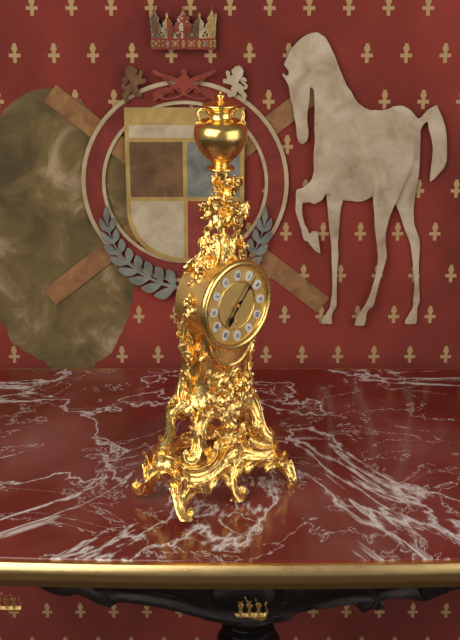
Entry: h=7 m=7
